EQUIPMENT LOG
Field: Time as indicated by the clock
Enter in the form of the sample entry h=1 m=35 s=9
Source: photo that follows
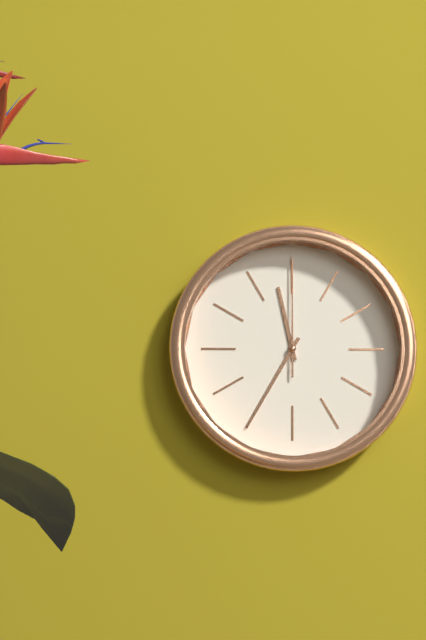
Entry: h=11 m=35 s=0
